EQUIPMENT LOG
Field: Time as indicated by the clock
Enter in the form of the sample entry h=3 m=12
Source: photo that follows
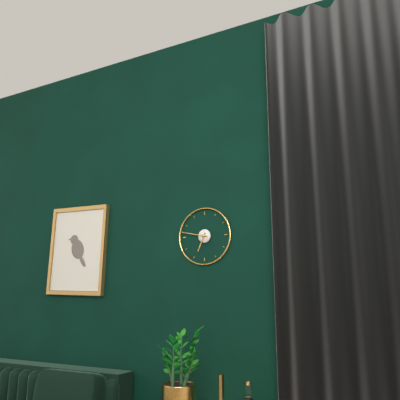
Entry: h=6 m=47
